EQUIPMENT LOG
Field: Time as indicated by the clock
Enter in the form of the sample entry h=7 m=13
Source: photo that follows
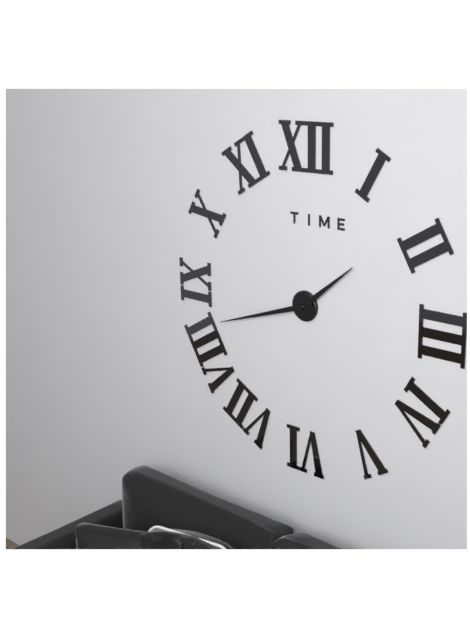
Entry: h=1 m=42
